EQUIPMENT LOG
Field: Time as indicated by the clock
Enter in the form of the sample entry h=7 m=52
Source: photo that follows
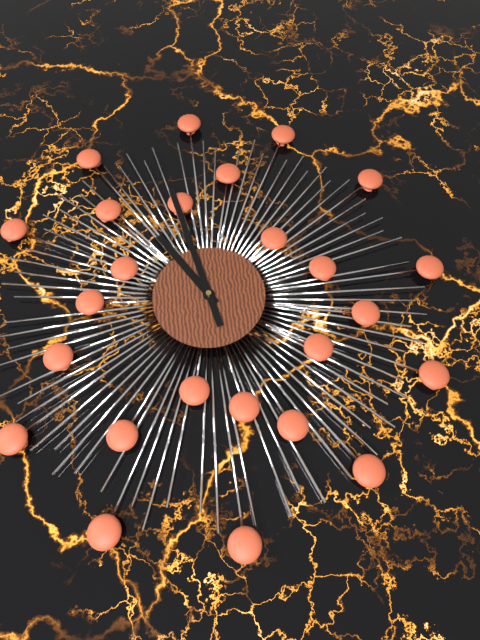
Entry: h=10 m=58
